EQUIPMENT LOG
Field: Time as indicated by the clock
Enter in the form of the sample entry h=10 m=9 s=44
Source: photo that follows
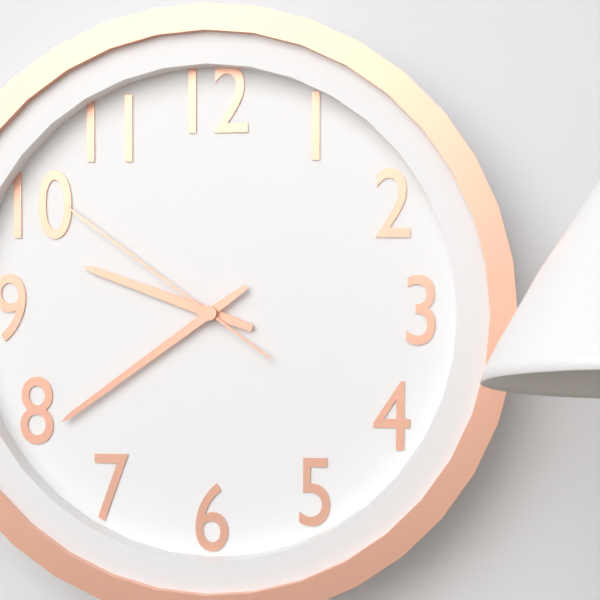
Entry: h=9 m=39 s=51
